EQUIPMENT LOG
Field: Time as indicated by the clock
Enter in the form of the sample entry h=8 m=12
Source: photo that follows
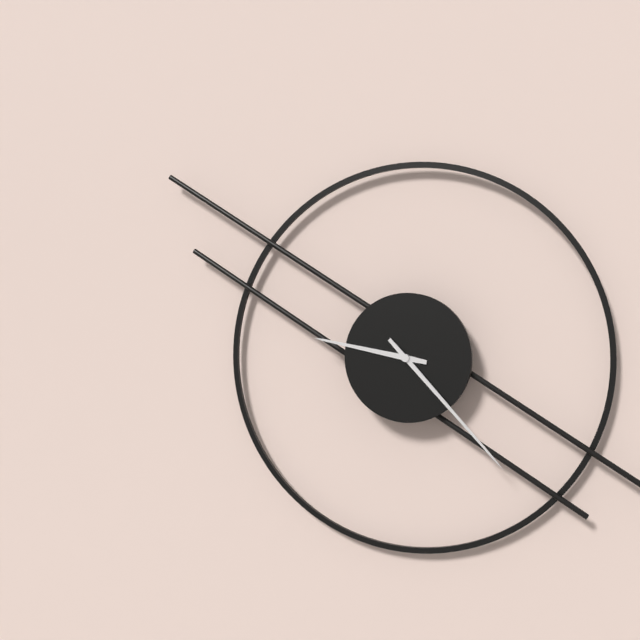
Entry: h=9 m=23
